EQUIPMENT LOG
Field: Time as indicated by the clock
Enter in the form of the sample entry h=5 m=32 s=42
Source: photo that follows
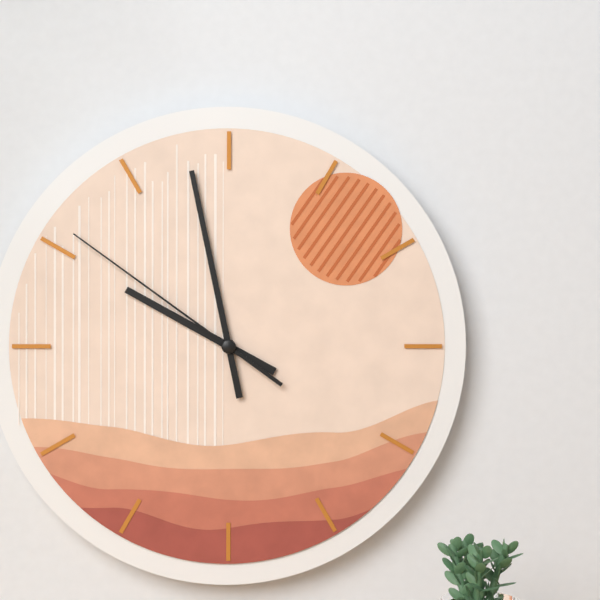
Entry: h=9 m=58 s=51
